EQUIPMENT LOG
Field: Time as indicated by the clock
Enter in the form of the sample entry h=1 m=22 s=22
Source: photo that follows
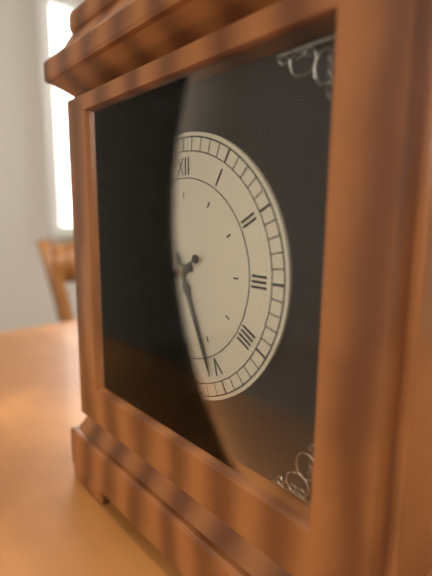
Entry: h=8 m=26 s=40
